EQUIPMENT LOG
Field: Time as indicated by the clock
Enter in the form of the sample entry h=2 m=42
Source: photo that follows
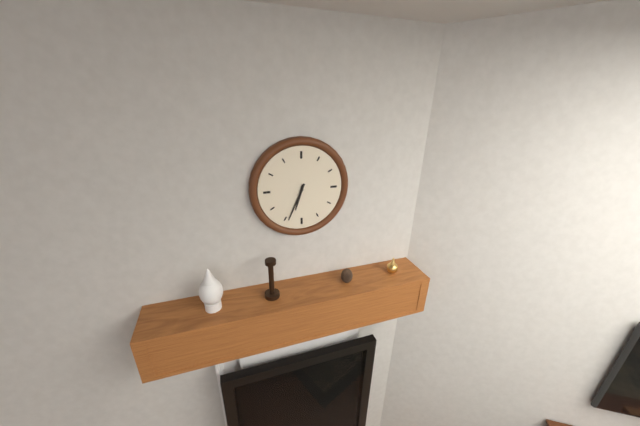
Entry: h=6 m=34
